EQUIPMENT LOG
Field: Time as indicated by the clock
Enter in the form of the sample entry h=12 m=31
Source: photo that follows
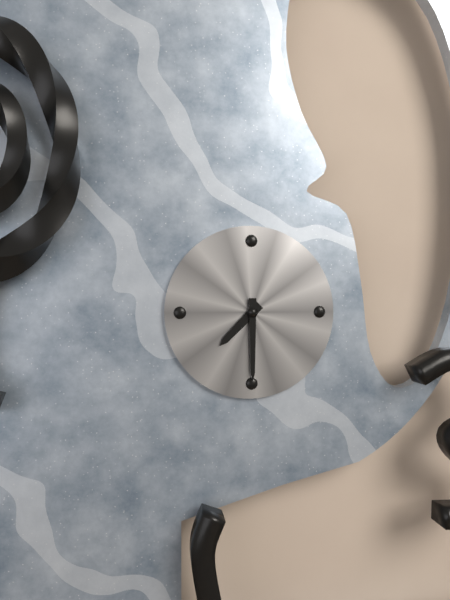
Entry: h=7 m=30
